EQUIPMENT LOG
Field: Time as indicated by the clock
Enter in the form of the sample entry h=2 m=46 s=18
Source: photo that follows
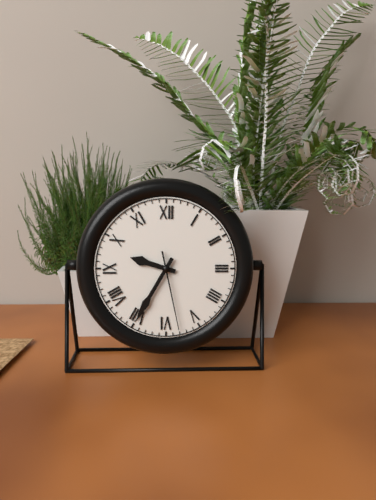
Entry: h=9 m=35 s=28
